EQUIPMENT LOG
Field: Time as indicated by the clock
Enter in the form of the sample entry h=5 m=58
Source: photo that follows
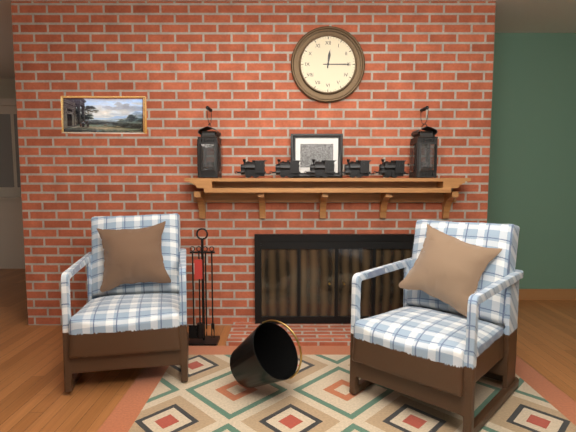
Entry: h=12 m=15
